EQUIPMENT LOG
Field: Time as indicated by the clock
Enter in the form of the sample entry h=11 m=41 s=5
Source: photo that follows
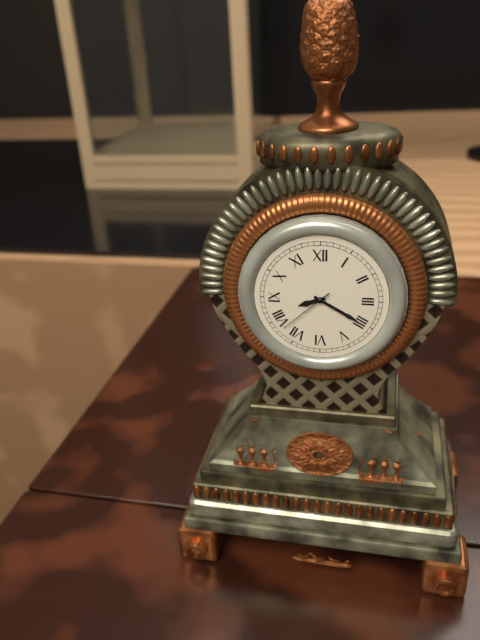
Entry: h=8 m=20 s=38
